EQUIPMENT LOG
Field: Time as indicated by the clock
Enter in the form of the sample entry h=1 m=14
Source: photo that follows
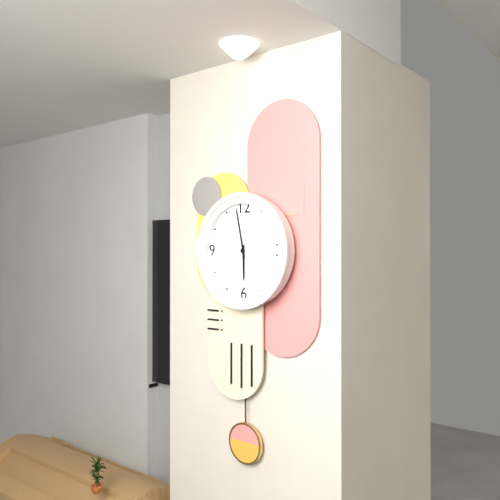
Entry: h=5 m=58
